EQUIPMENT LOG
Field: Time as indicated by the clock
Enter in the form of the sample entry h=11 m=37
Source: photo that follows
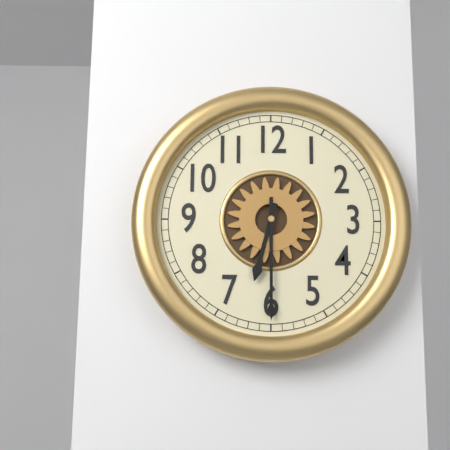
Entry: h=6 m=30
